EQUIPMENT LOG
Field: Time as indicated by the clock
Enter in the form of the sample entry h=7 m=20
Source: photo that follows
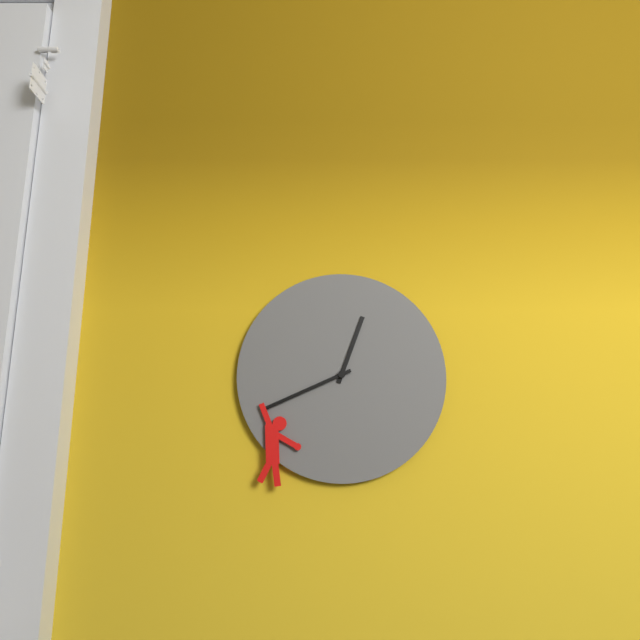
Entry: h=12 m=41
